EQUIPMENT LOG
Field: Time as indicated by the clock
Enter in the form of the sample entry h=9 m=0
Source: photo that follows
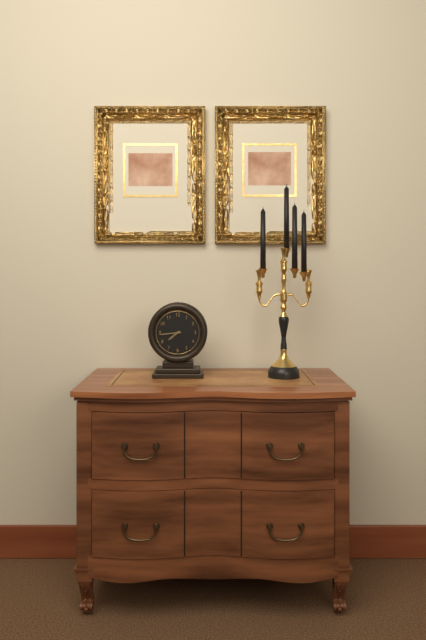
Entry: h=7 m=44
